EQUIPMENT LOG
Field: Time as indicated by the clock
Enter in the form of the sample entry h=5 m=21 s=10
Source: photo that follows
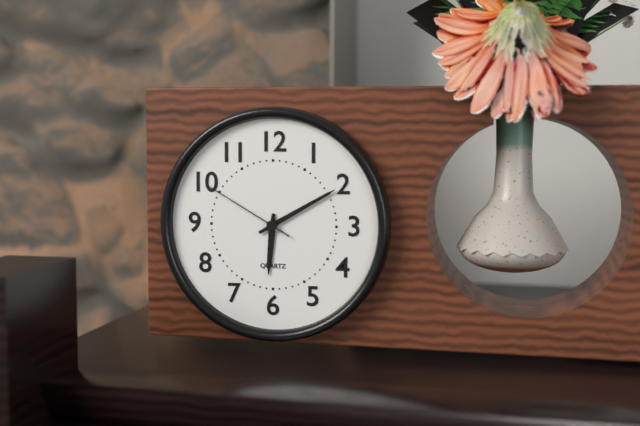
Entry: h=6 m=10 s=50
